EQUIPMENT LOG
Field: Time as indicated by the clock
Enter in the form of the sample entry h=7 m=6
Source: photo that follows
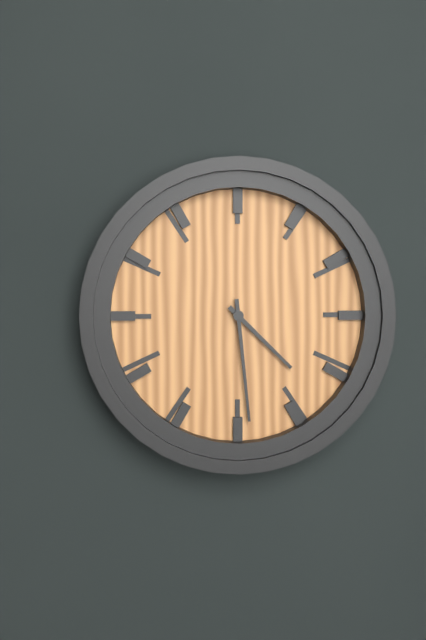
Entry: h=4 m=29
